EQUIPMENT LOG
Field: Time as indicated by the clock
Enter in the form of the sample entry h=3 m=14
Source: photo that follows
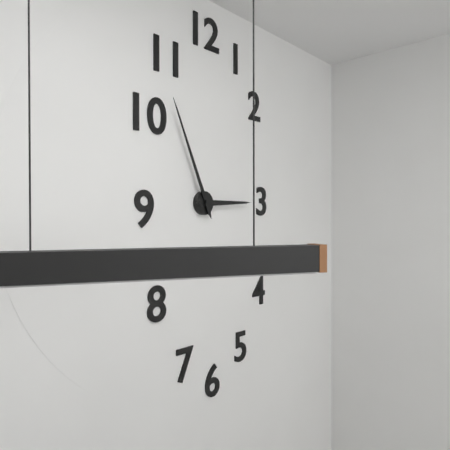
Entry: h=2 m=56
